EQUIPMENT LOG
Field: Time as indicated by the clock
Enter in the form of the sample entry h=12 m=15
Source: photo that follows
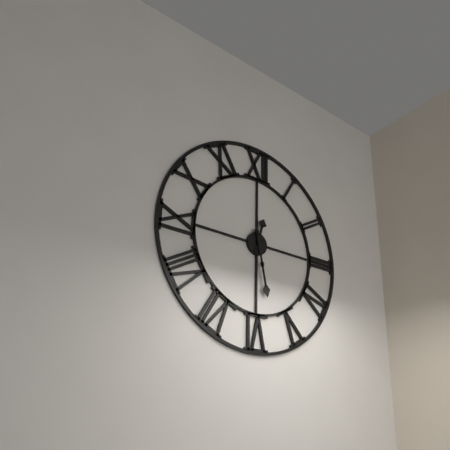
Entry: h=12 m=28
